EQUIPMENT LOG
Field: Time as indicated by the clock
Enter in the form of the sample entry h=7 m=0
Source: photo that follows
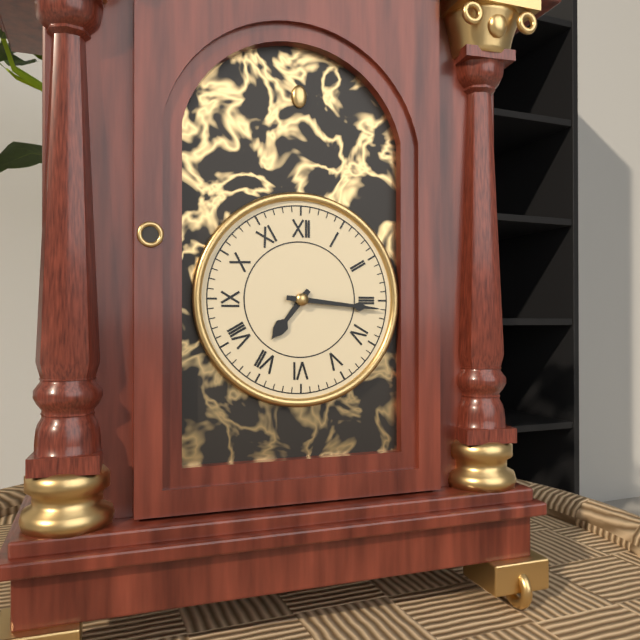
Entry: h=7 m=16
